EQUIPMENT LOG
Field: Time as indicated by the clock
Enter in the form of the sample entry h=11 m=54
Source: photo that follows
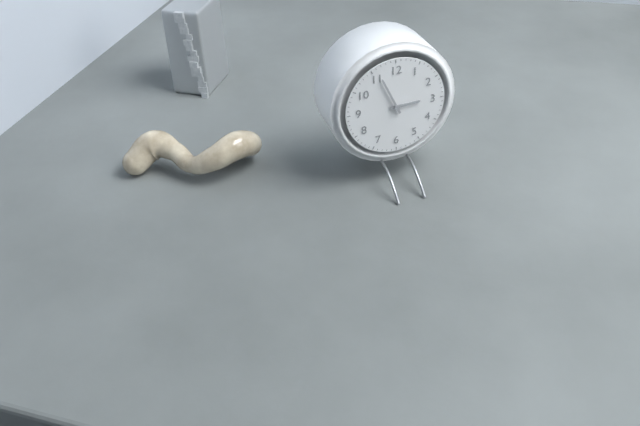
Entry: h=2 m=56
